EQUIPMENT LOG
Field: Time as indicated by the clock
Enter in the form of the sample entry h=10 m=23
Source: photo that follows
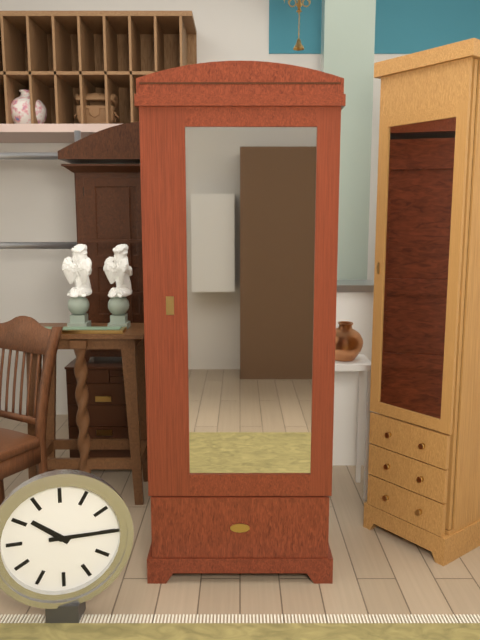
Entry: h=10 m=15
